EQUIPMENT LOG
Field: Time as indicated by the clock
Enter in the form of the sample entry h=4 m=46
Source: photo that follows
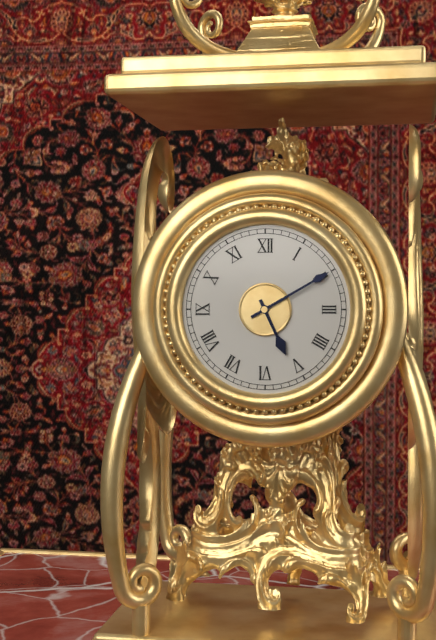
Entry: h=5 m=10
